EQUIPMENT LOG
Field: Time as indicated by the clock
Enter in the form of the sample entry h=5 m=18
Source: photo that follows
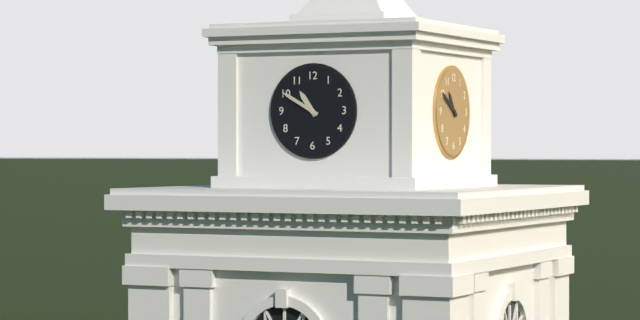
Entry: h=10 m=50
